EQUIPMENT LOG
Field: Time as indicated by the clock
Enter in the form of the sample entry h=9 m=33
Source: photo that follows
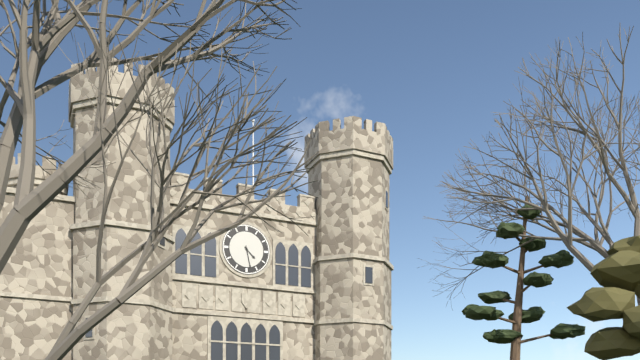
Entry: h=4 m=28
